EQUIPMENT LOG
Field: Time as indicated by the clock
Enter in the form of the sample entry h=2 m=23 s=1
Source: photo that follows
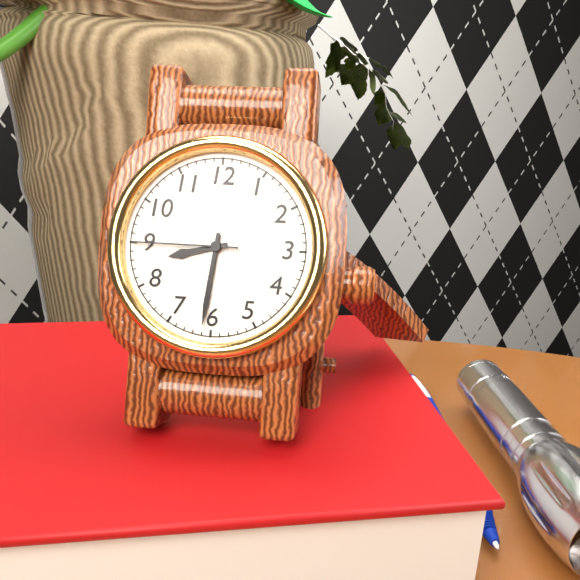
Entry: h=8 m=31 s=45
